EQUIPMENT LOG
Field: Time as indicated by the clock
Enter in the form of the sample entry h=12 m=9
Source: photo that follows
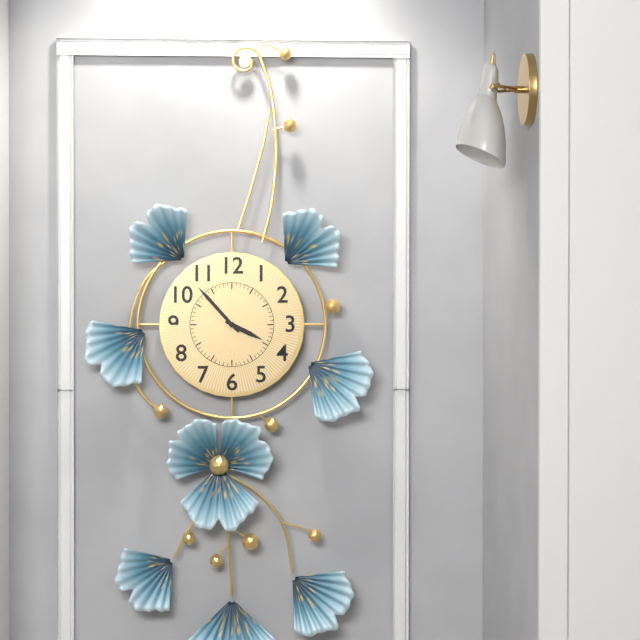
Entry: h=3 m=53
